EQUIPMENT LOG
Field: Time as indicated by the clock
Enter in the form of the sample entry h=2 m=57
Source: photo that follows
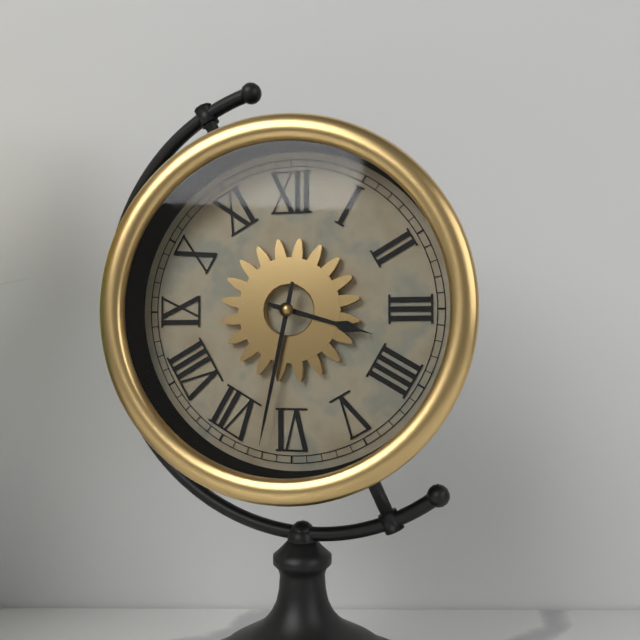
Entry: h=3 m=32
